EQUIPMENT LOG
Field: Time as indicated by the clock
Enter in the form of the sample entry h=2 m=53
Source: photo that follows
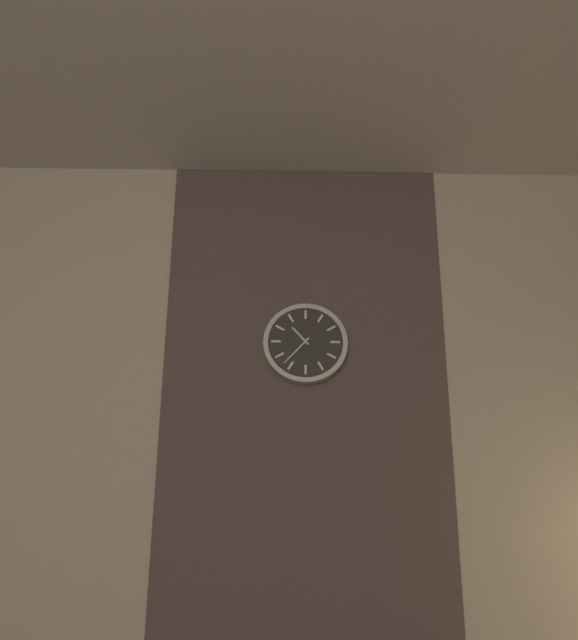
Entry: h=10 m=37
